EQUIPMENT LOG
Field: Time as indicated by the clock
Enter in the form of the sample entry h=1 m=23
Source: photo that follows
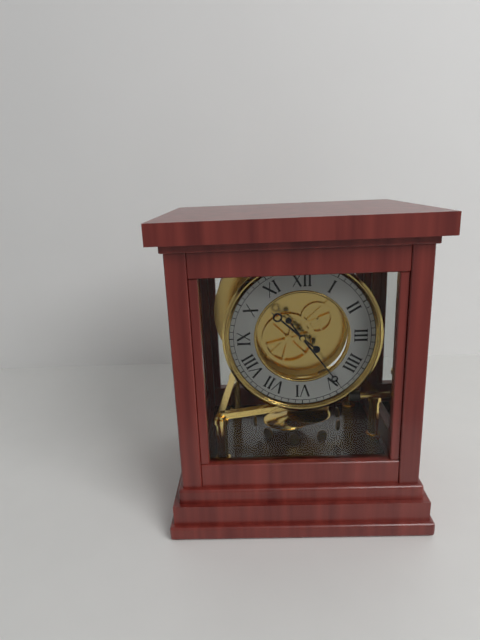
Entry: h=10 m=24
